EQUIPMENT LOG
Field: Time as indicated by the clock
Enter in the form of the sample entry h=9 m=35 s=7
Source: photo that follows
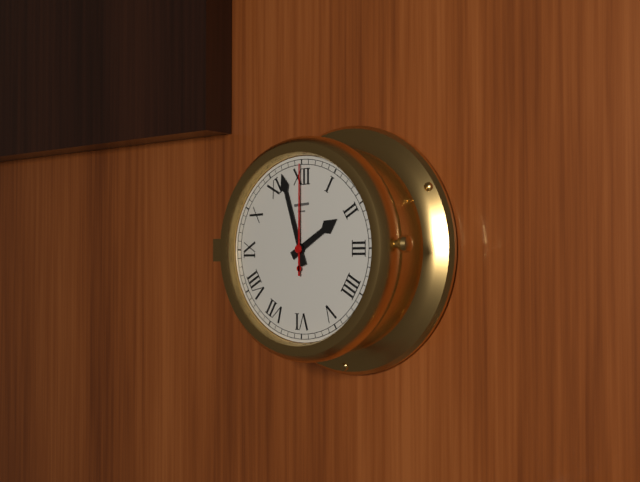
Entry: h=1 m=57 s=0
